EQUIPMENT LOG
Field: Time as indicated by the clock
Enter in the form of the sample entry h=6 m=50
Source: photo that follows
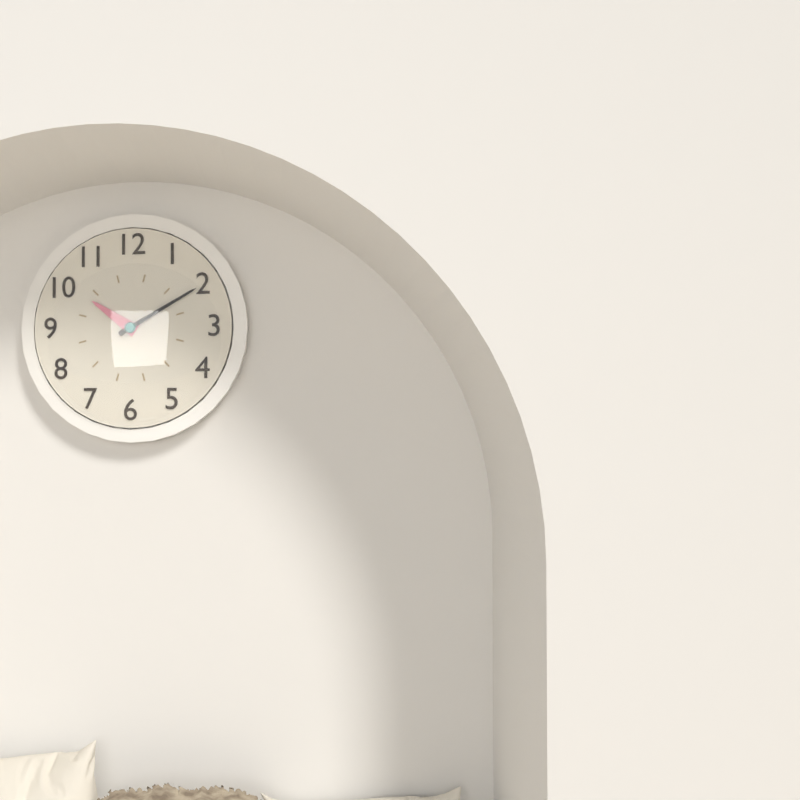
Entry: h=10 m=10
